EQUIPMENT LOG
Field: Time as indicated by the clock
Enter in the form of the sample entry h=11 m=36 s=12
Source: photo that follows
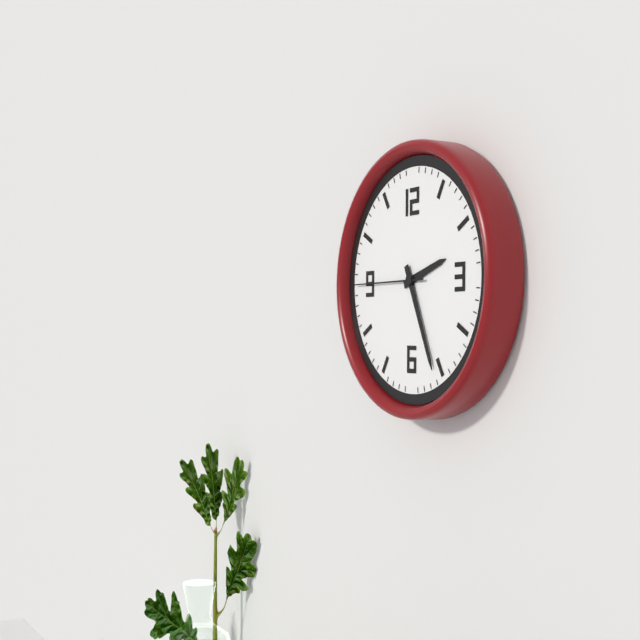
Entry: h=2 m=26 s=45
